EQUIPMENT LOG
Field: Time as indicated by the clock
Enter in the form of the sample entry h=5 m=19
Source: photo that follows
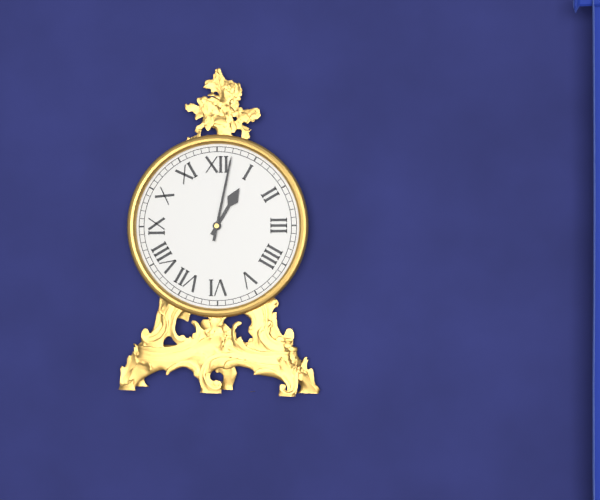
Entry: h=1 m=2
